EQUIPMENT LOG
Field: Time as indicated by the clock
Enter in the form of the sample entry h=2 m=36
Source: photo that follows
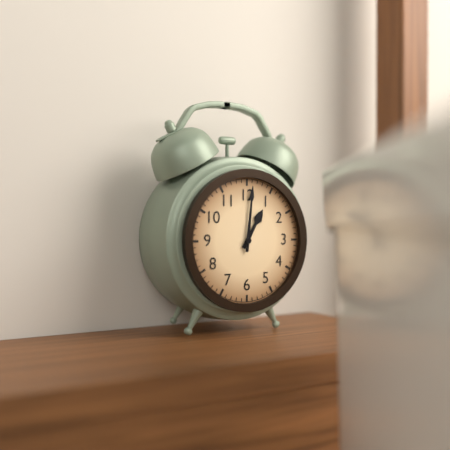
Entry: h=1 m=1
